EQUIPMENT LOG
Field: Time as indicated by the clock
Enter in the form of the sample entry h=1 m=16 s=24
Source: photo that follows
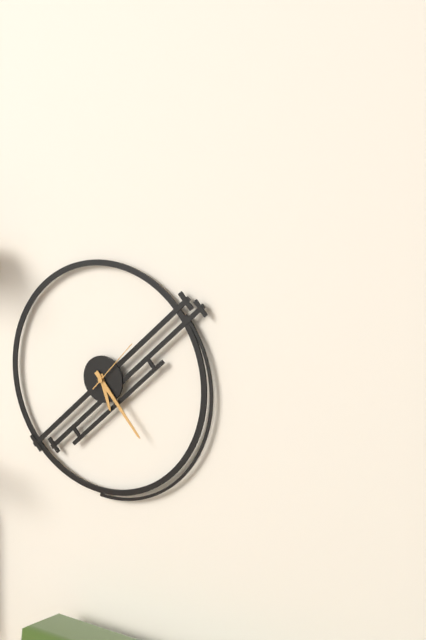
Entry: h=5 m=23 s=7
